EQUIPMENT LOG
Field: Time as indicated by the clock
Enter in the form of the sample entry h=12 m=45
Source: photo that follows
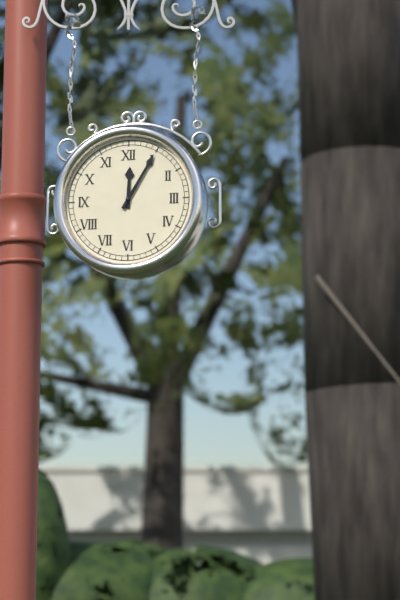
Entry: h=12 m=5
